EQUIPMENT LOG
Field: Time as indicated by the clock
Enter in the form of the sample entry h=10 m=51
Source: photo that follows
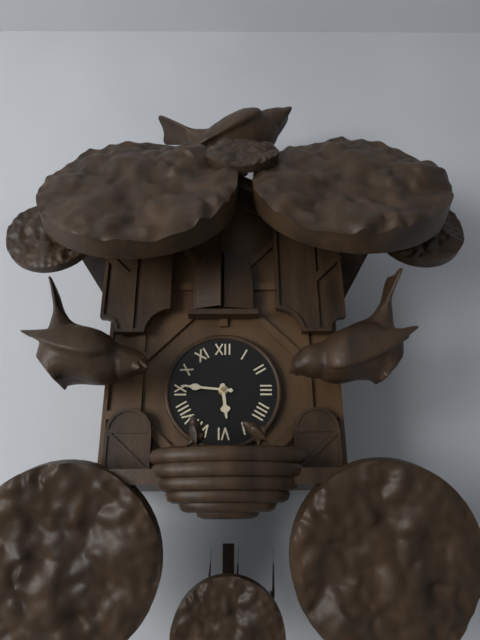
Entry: h=5 m=46
